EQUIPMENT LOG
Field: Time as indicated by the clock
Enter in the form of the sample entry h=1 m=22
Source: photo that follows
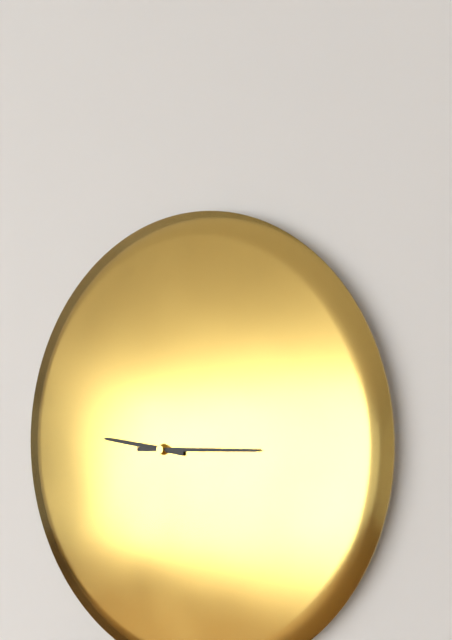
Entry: h=9 m=15
